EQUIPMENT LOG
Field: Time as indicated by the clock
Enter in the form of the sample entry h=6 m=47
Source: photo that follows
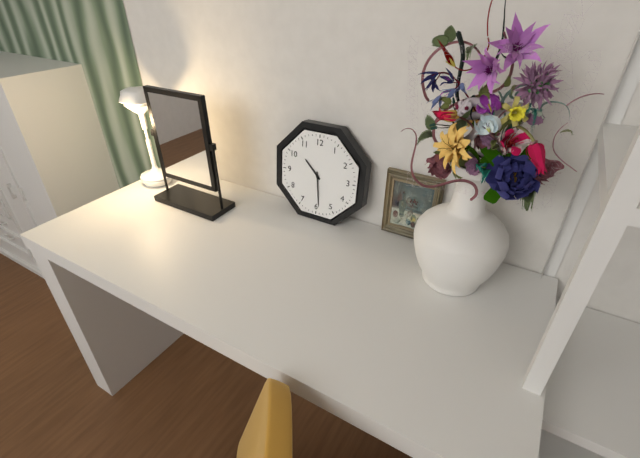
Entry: h=10 m=29
